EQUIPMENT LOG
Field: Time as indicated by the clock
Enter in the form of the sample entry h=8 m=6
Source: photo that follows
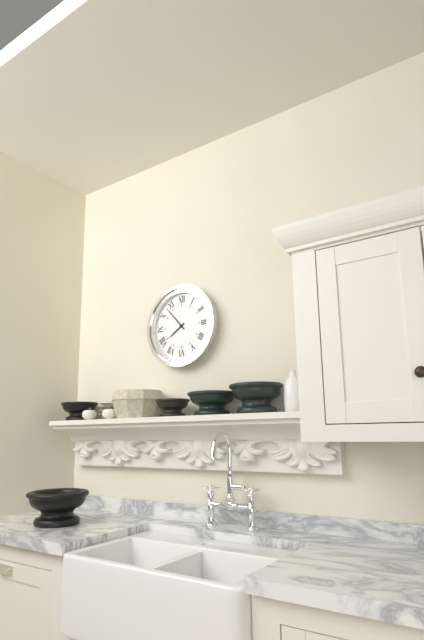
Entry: h=7 m=53
